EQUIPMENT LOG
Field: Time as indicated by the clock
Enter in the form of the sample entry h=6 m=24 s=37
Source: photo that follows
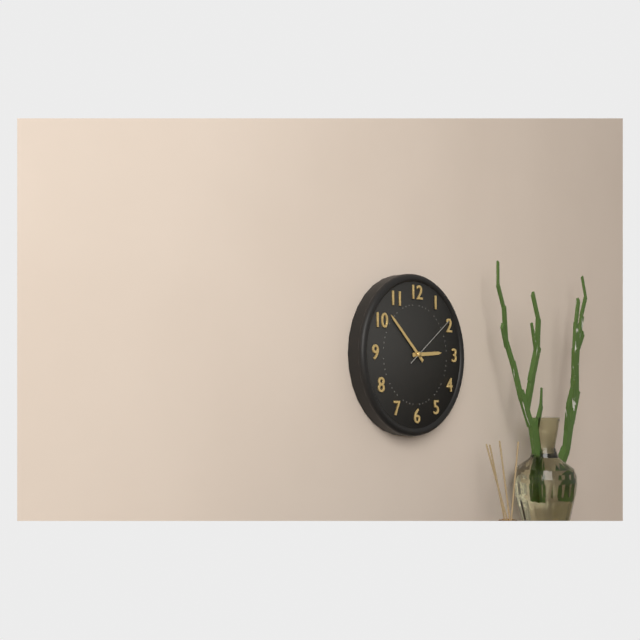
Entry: h=2 m=52 s=9
